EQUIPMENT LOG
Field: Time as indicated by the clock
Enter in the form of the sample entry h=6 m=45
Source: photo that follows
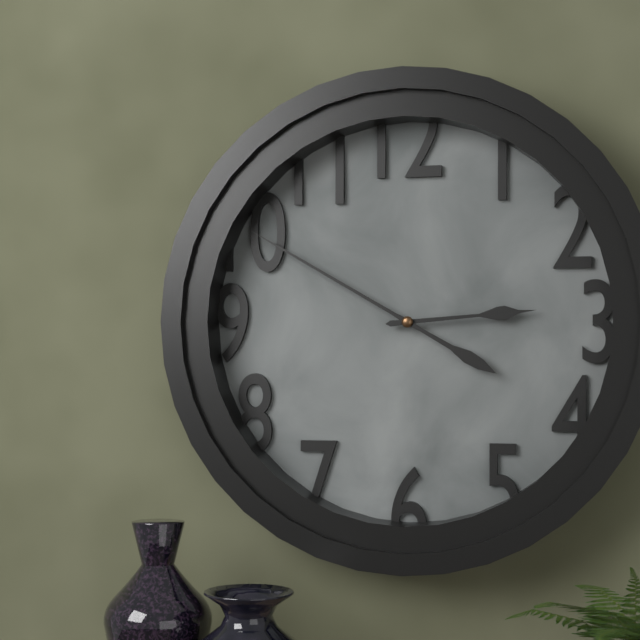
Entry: h=2 m=50
